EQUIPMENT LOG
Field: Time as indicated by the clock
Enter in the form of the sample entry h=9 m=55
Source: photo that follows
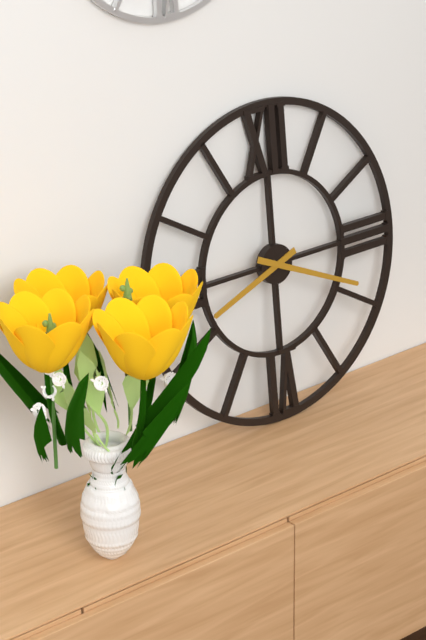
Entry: h=8 m=19
